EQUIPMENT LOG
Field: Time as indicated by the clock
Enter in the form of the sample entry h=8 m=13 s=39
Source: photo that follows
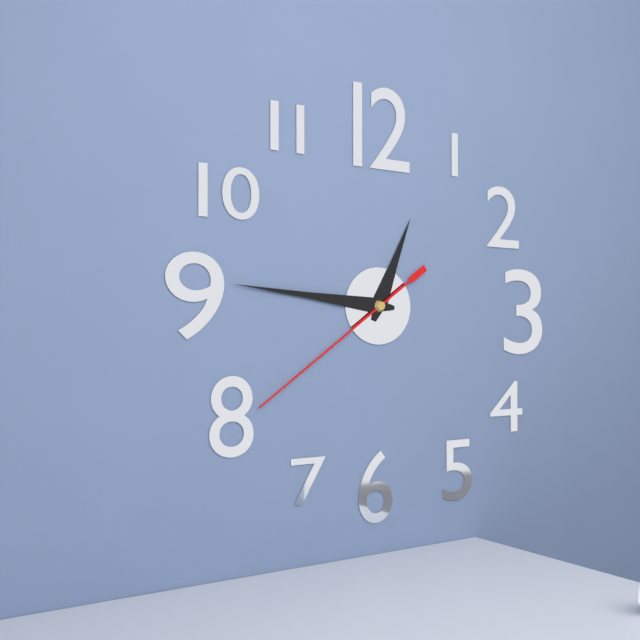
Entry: h=12 m=46 s=39
